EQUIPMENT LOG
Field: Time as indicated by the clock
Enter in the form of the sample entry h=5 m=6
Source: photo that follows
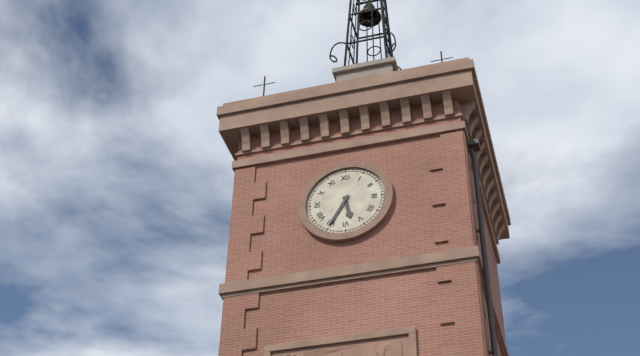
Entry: h=5 m=35
